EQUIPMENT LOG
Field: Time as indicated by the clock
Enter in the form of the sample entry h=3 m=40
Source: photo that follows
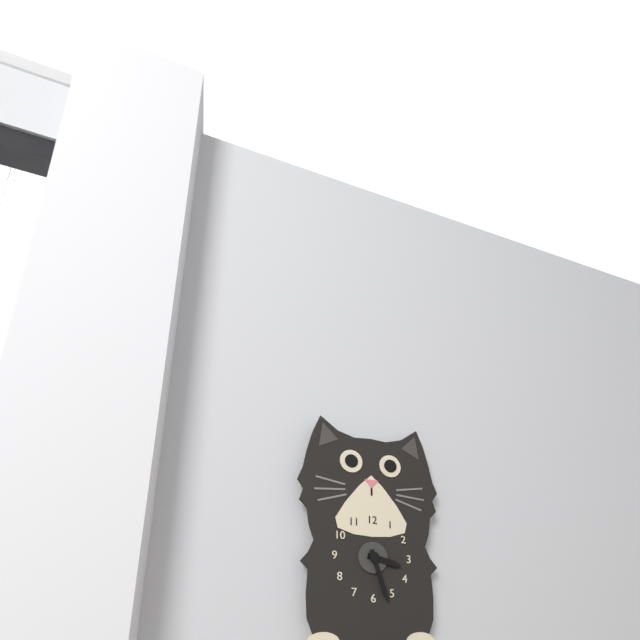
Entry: h=3 m=27
